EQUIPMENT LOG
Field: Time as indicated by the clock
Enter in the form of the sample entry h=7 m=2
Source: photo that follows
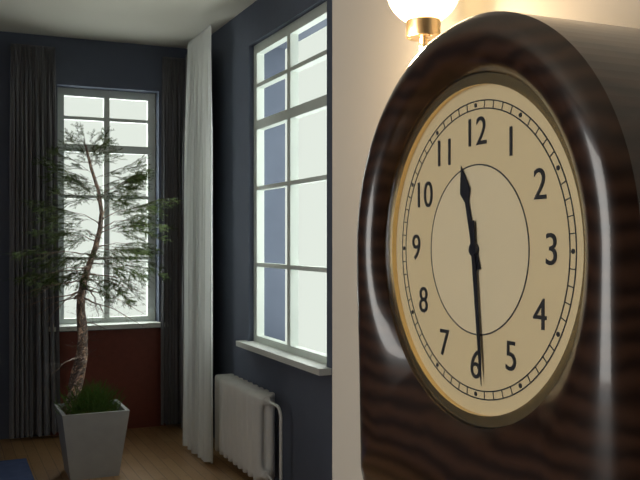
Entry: h=11 m=29
